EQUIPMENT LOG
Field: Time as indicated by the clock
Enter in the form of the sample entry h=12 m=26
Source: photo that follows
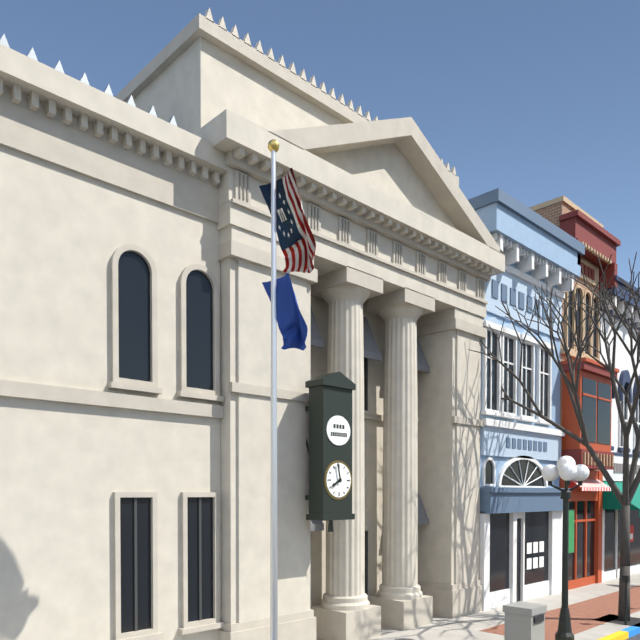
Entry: h=7 m=58
